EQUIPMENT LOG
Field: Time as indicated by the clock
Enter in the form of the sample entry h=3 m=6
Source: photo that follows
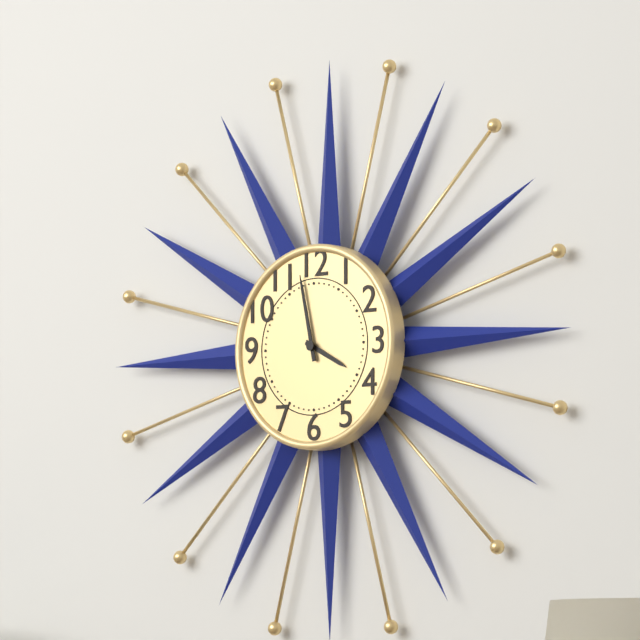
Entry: h=3 m=58
